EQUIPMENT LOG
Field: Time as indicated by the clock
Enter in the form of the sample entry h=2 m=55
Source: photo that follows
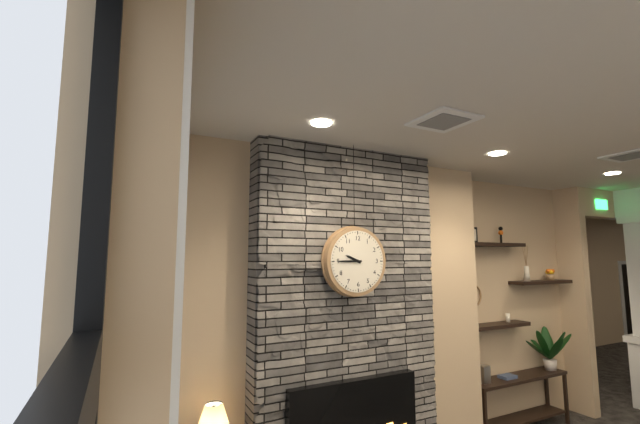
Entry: h=9 m=45
